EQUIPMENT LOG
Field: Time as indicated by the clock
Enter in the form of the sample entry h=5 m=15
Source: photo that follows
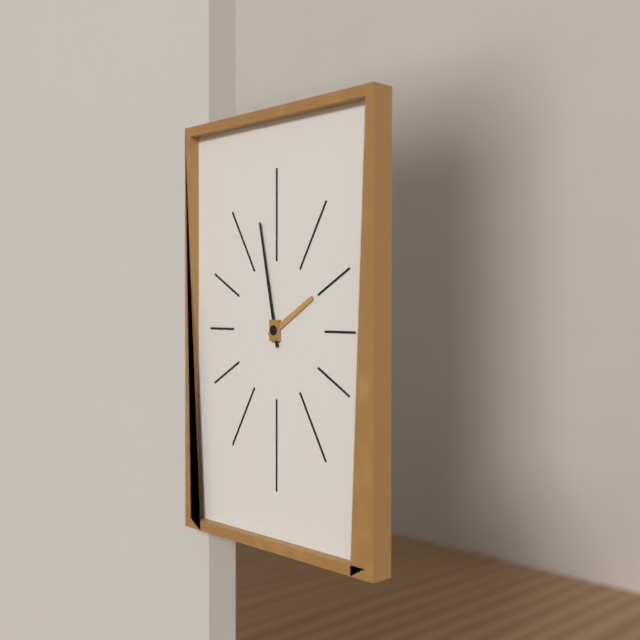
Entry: h=1 m=58
